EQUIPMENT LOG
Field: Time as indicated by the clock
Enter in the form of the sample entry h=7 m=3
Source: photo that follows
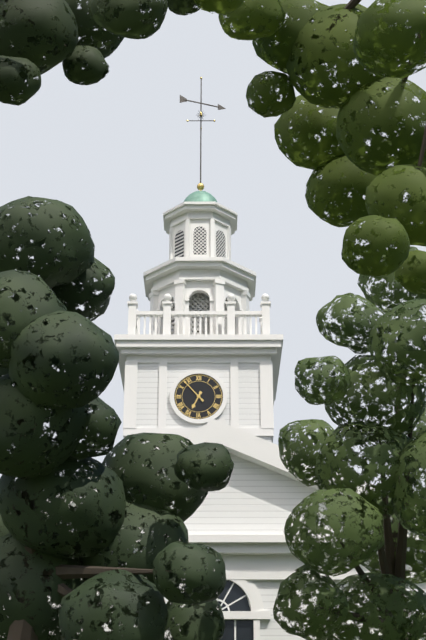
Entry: h=6 m=53
